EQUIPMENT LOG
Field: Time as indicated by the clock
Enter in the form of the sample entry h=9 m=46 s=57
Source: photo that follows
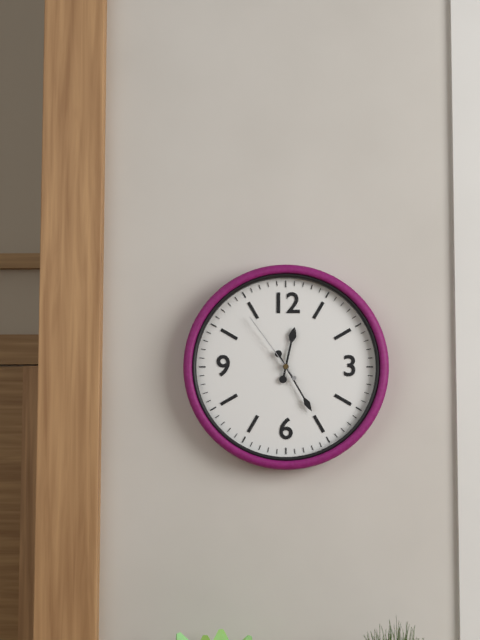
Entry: h=12 m=25 s=54
